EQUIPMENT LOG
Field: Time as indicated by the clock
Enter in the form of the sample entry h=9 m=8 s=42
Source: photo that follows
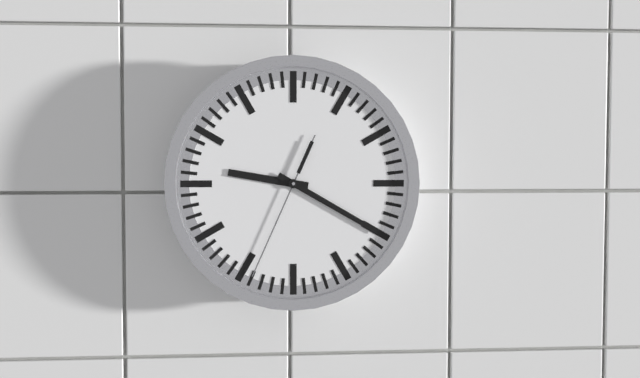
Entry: h=9 m=20 s=34
